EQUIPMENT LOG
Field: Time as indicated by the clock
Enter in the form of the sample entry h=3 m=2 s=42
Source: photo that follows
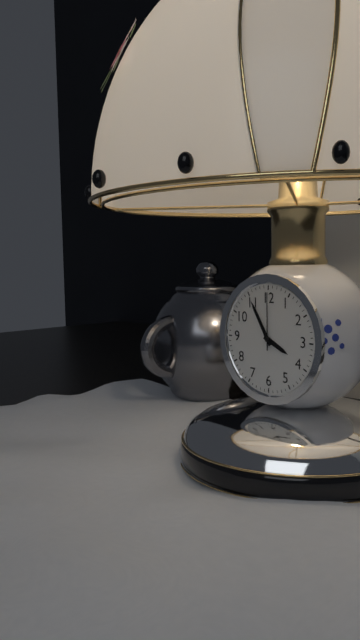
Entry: h=3 m=55 s=0
